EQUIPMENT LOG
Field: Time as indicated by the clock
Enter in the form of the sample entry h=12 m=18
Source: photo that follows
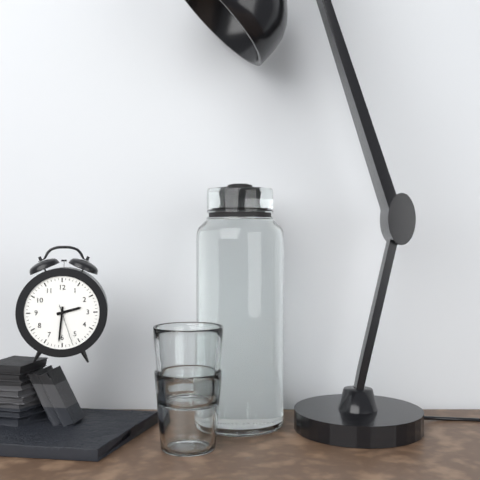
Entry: h=2 m=31
